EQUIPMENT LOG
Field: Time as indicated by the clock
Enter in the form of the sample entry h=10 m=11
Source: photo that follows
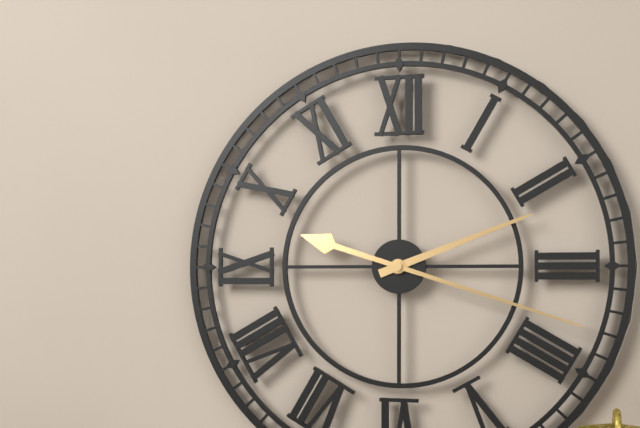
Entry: h=2 m=18
